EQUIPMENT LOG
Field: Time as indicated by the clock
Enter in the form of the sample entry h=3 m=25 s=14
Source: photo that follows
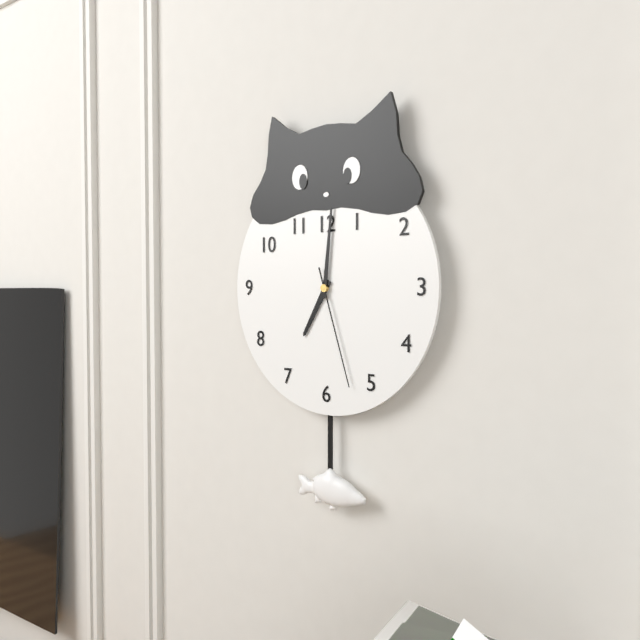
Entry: h=7 m=1 s=27
